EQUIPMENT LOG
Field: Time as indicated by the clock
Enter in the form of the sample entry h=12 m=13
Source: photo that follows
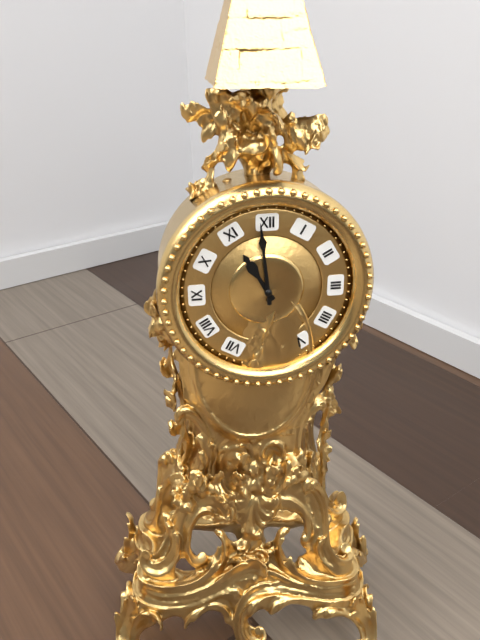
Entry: h=10 m=59
